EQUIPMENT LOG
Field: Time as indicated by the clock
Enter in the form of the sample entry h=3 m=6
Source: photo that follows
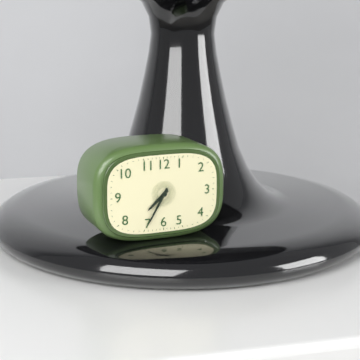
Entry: h=7 m=35
